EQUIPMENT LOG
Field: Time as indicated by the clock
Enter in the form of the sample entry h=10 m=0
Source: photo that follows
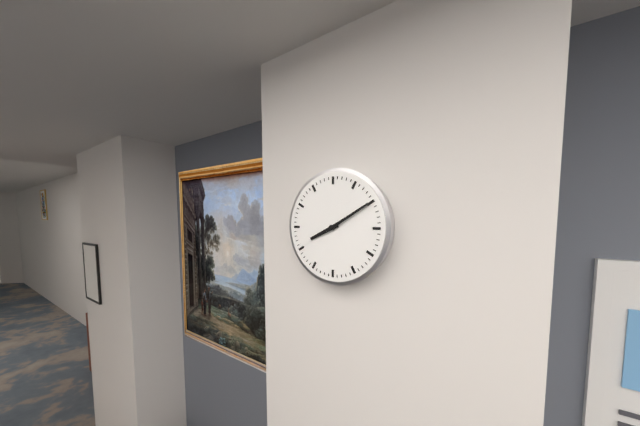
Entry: h=8 m=10
